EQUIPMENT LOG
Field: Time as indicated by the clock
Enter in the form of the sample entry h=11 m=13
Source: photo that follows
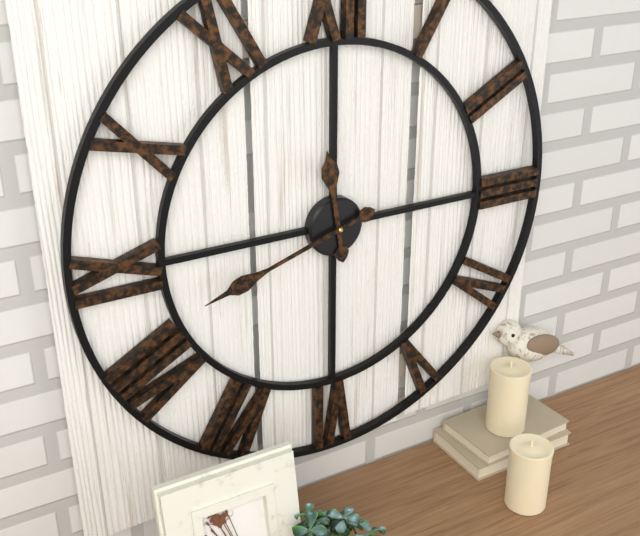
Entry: h=11 m=42
